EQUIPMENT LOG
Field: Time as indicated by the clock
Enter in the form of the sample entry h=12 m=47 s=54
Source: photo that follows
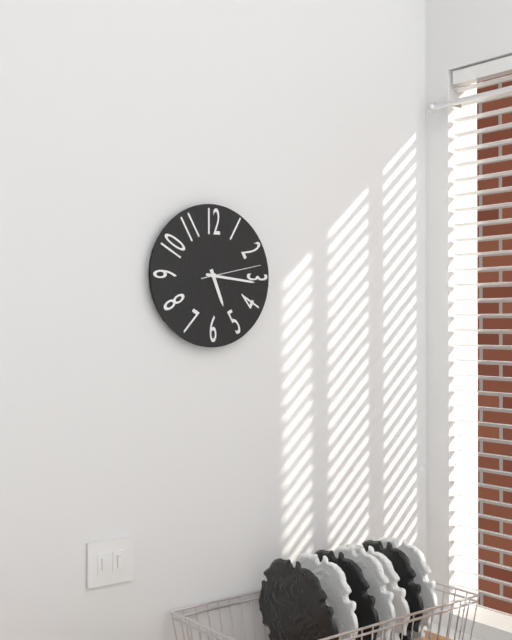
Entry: h=5 m=16 s=13
